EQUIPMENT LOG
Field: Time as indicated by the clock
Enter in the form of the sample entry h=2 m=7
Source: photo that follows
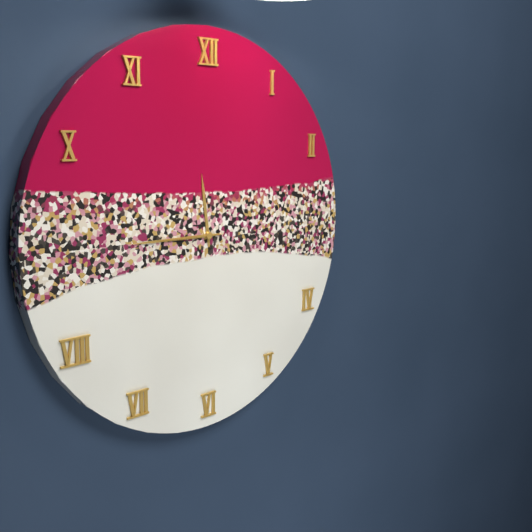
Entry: h=11 m=45
